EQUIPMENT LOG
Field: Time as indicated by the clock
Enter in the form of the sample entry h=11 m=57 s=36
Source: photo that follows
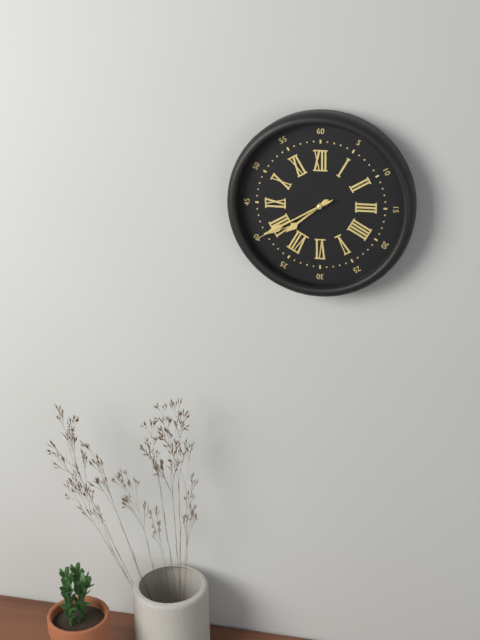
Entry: h=7 m=40 s=40
